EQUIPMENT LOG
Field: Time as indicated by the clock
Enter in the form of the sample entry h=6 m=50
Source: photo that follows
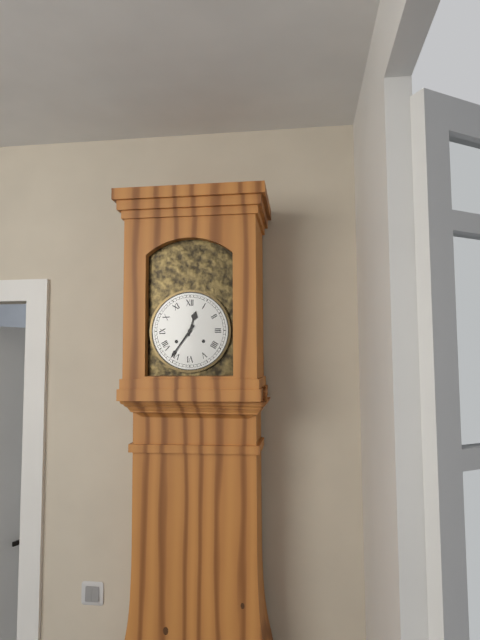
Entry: h=12 m=36
